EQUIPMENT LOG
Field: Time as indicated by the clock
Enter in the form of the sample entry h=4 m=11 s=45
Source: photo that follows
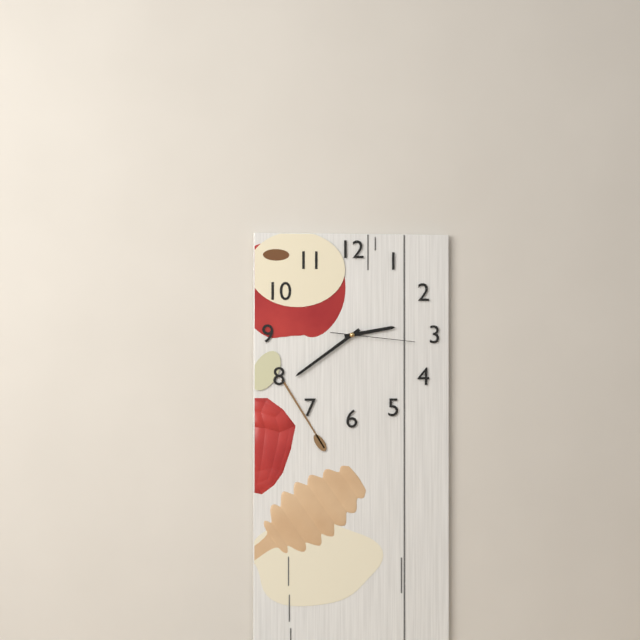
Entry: h=2 m=39 s=16
